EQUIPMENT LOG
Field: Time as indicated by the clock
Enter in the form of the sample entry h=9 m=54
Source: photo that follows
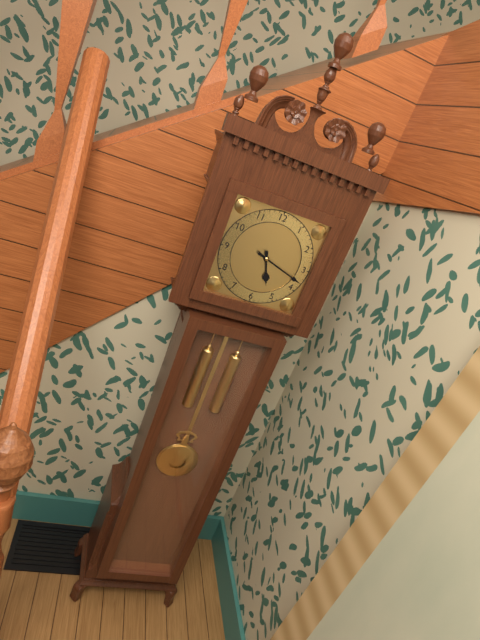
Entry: h=5 m=18
